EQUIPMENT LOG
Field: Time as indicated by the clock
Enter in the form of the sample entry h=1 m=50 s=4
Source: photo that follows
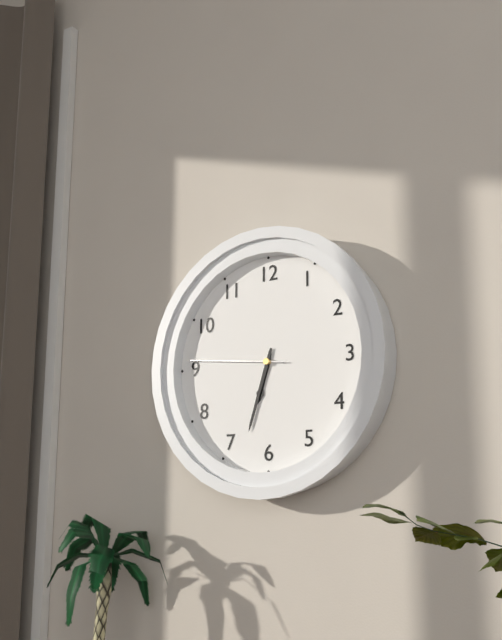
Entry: h=6 m=33 s=46
